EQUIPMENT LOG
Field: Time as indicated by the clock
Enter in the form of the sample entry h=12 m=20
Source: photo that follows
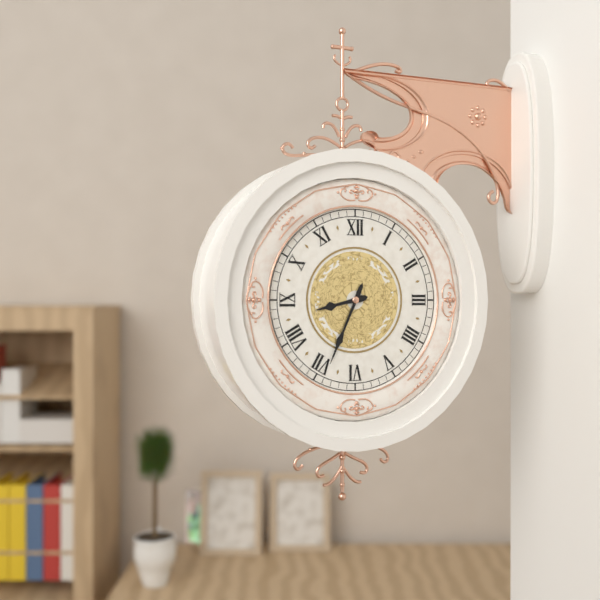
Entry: h=8 m=34
